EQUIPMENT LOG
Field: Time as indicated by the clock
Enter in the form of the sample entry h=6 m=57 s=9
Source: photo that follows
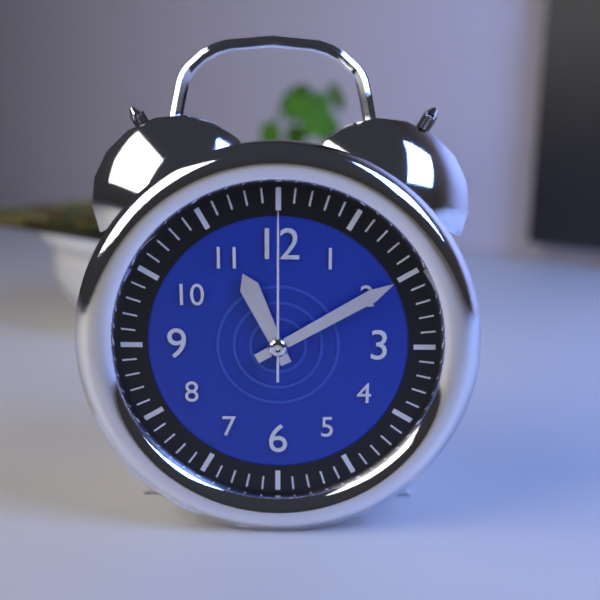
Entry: h=11 m=10 s=0
